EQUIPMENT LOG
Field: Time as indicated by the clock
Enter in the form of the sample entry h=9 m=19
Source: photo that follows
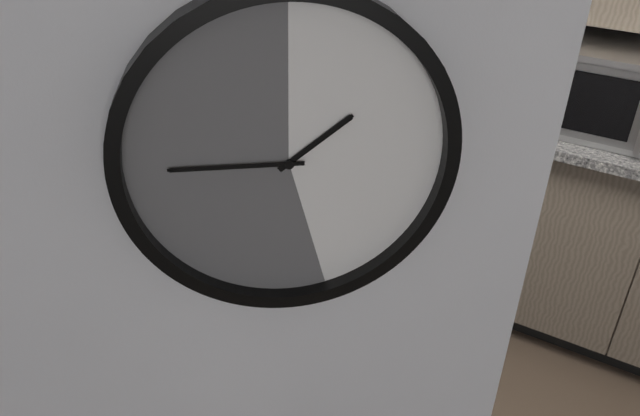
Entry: h=1 m=45
